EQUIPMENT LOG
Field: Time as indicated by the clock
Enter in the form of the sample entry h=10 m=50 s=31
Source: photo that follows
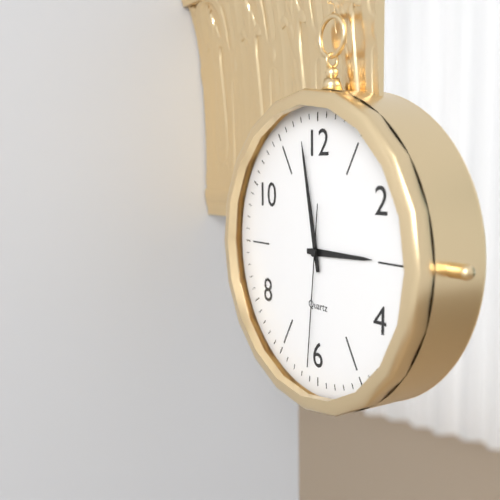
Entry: h=2 m=58 s=31
